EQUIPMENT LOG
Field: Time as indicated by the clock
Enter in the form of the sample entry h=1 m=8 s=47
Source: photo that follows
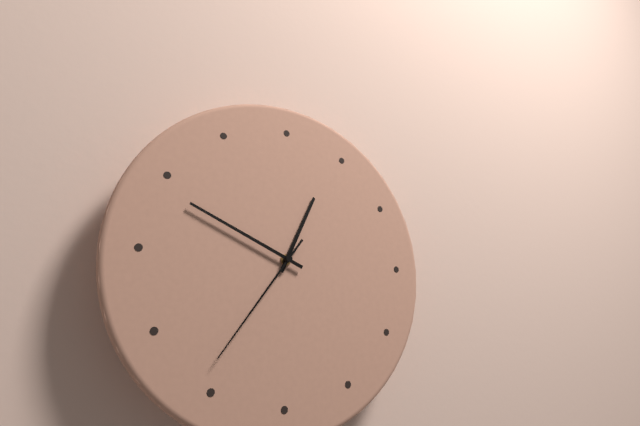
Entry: h=12 m=49 s=36
